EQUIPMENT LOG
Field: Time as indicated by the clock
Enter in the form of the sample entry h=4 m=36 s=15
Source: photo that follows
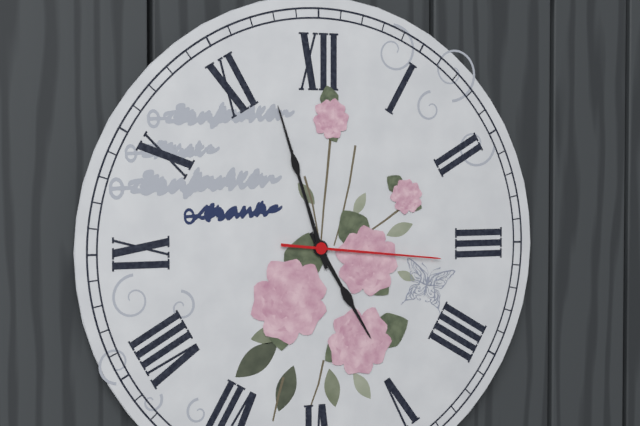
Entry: h=4 m=57 s=16
